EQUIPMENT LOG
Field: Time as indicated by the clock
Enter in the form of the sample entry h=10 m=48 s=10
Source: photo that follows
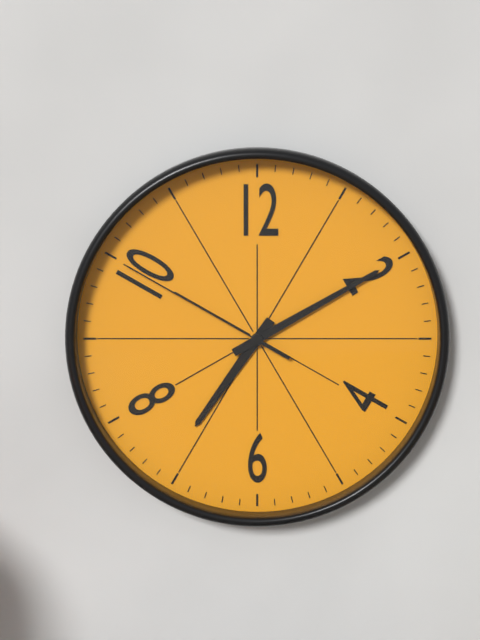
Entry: h=7 m=10 s=50
